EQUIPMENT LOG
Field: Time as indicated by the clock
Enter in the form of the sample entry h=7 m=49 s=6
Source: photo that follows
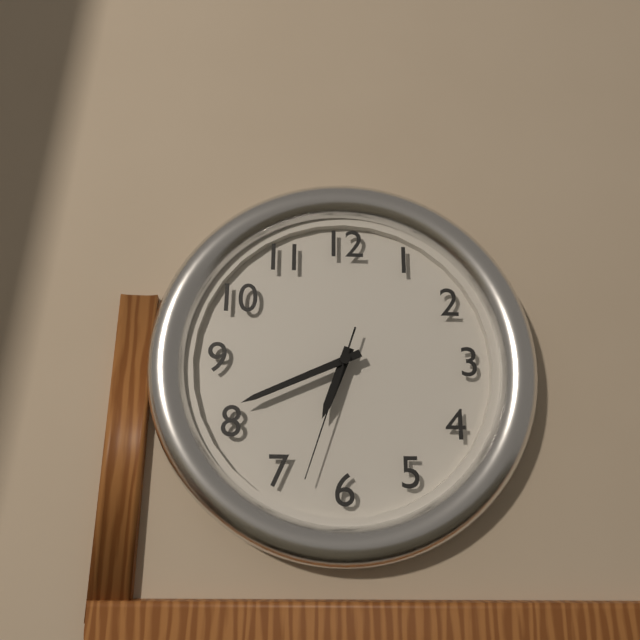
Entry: h=6 m=41 s=33
